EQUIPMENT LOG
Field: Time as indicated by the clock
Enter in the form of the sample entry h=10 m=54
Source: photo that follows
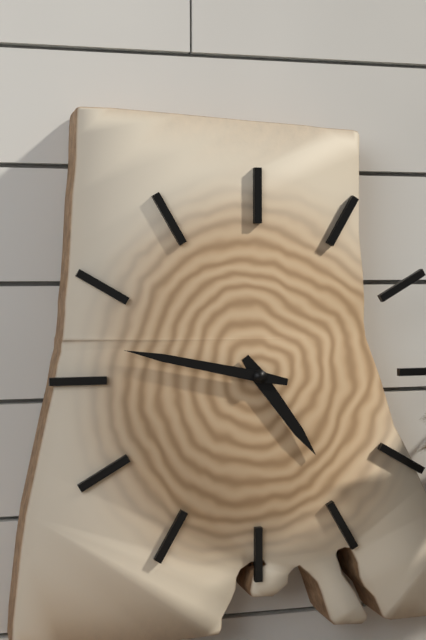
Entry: h=4 m=47
